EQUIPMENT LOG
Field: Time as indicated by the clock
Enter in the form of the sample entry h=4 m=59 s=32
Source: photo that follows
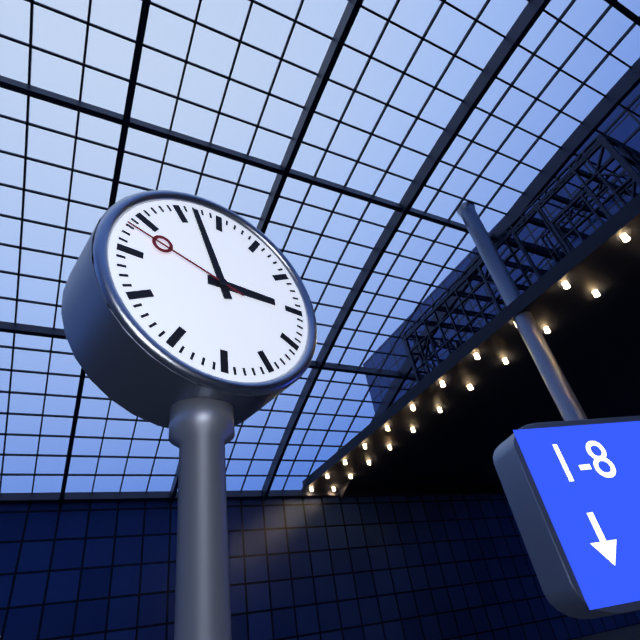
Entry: h=2 m=57 s=48
